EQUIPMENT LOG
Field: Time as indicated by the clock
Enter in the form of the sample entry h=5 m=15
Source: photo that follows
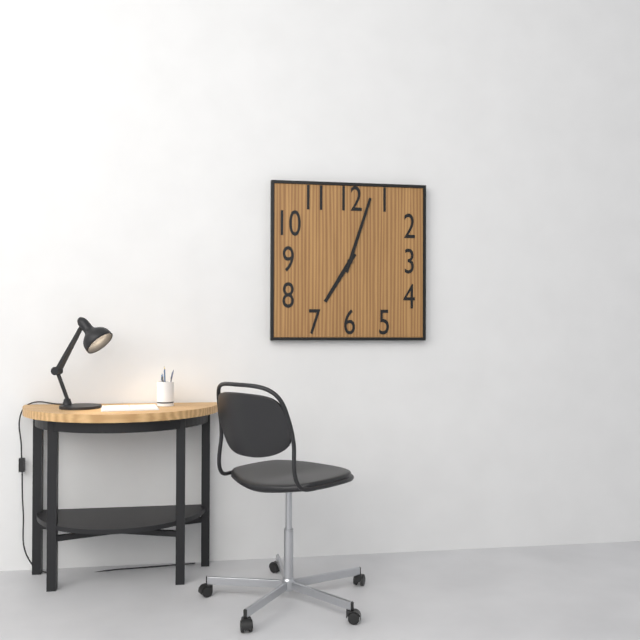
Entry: h=7 m=3
